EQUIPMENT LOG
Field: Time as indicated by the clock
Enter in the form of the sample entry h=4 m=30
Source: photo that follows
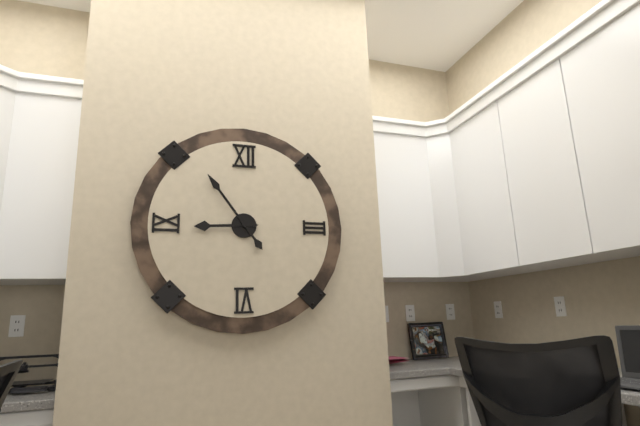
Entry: h=8 m=54
